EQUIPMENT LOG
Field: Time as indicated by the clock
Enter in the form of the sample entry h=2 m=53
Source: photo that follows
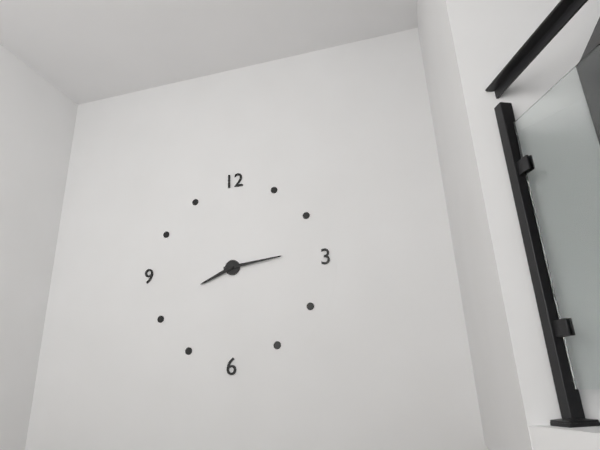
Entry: h=8 m=14
